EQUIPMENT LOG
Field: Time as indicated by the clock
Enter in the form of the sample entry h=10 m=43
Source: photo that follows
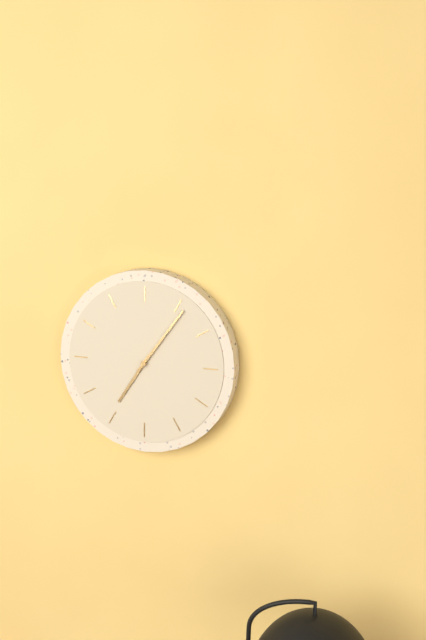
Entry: h=7 m=6
